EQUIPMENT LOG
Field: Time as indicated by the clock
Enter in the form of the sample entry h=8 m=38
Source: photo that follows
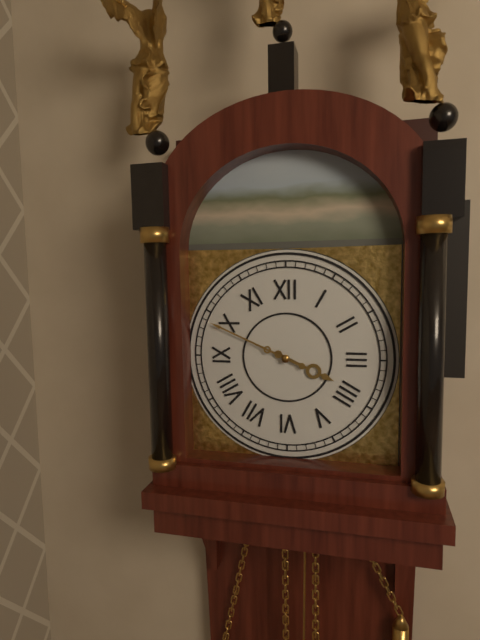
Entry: h=3 m=49
